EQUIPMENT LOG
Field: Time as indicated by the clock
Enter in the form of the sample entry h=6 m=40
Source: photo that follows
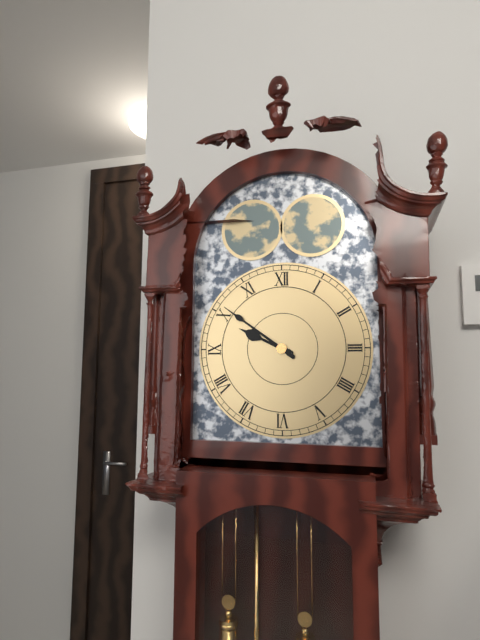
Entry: h=9 m=51
